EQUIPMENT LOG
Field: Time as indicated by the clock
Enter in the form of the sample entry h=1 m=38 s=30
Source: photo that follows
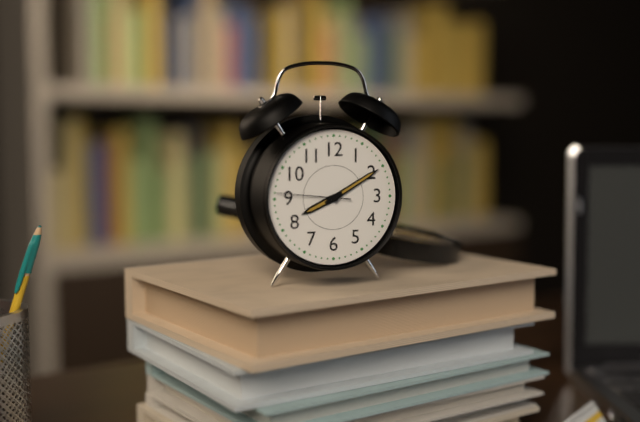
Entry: h=8 m=10 s=46
